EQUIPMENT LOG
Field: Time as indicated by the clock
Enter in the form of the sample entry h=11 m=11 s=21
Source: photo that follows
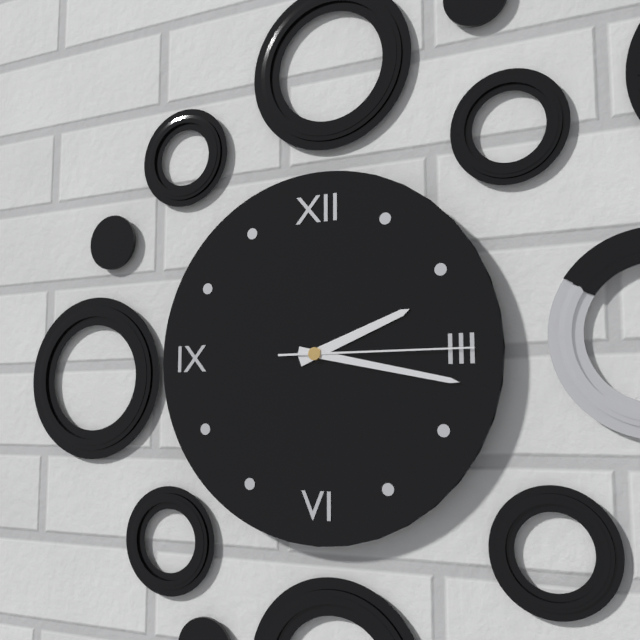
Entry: h=2 m=17 s=15
